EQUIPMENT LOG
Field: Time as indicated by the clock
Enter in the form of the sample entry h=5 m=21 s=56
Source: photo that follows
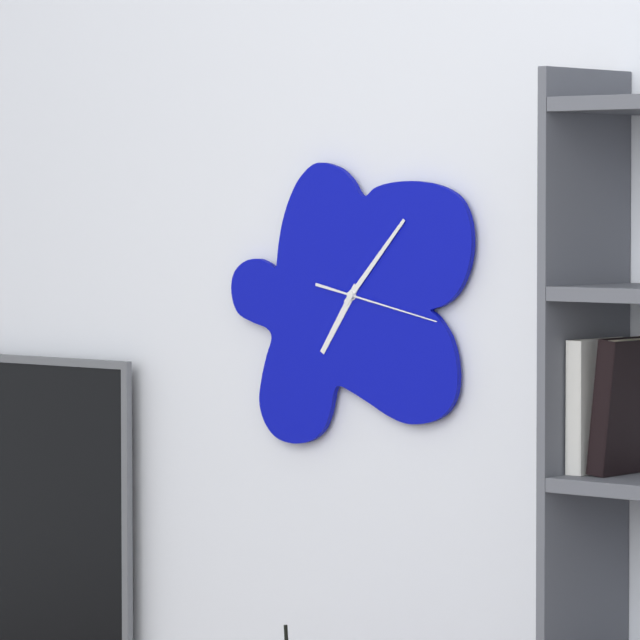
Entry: h=7 m=7 s=17
